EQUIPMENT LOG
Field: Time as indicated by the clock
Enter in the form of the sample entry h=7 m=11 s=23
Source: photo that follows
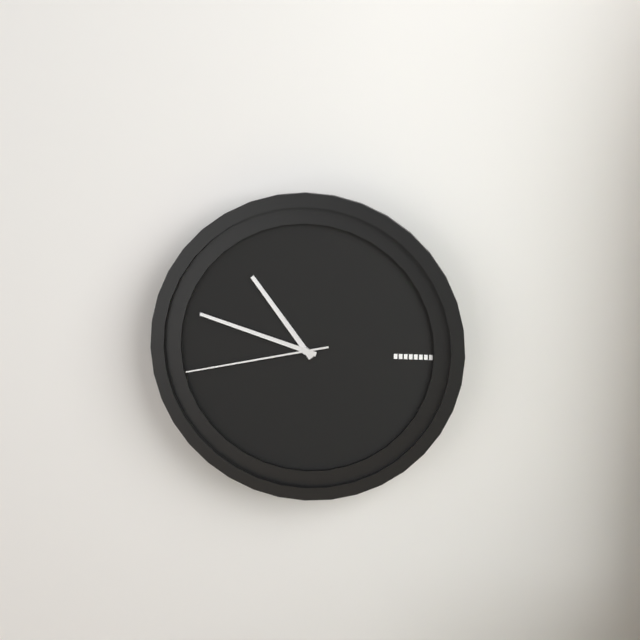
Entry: h=10 m=48 s=43
